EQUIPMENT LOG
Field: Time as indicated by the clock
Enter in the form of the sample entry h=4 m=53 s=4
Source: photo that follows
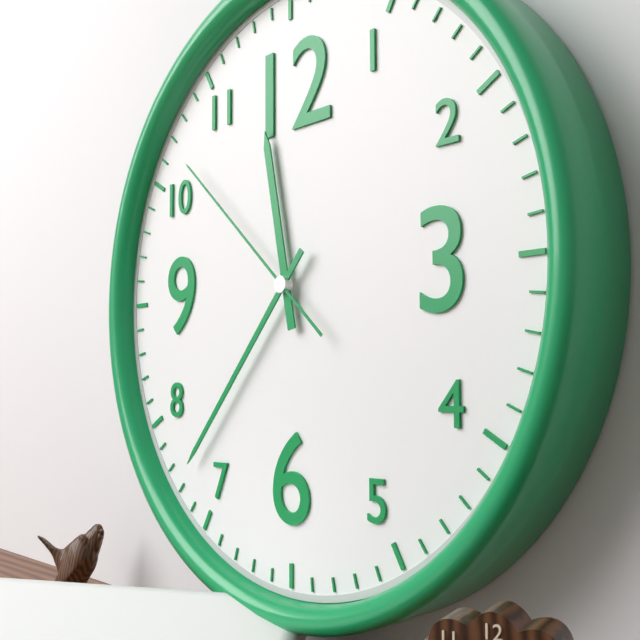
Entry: h=11 m=37 s=52
